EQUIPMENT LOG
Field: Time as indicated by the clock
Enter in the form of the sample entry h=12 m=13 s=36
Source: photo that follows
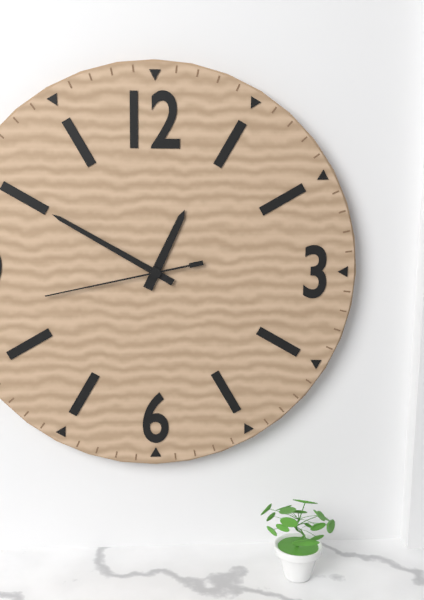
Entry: h=12 m=50 s=43
